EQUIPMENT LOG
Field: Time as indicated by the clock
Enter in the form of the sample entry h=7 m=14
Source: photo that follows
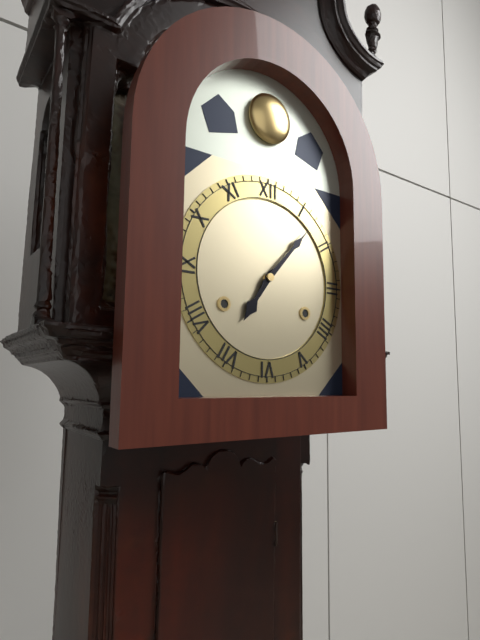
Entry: h=7 m=7
